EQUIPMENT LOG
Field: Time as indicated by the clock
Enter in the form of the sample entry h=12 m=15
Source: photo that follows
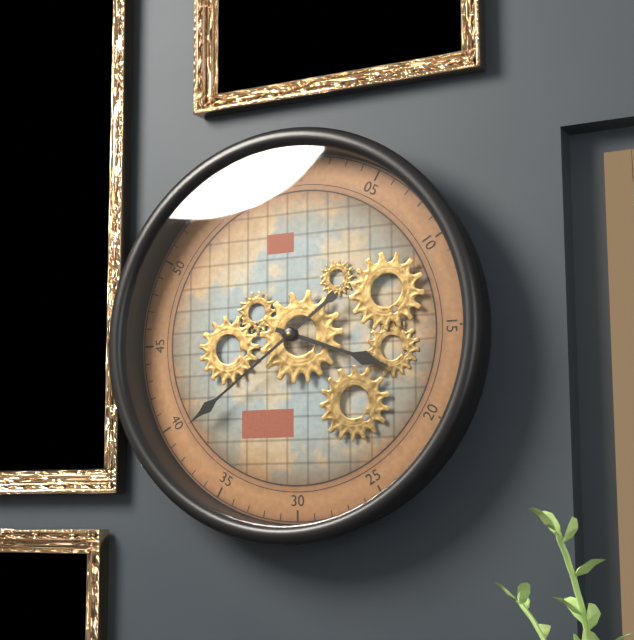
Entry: h=3 m=39
